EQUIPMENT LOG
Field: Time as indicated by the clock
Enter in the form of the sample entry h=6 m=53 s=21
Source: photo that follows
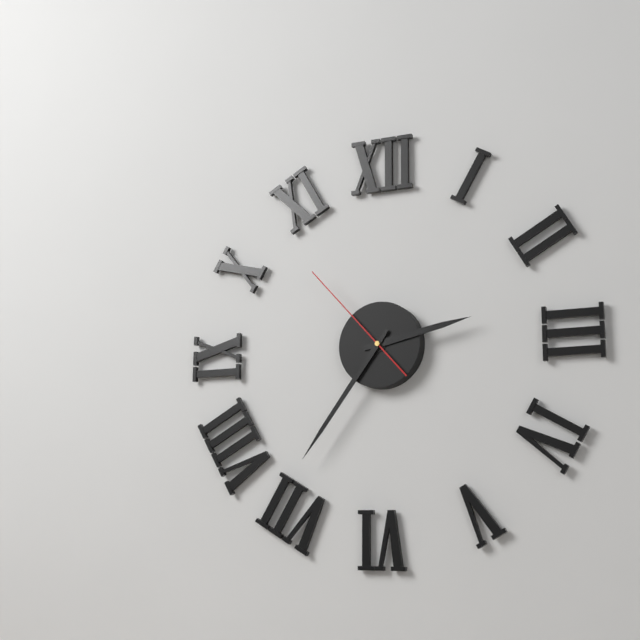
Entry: h=2 m=36 s=53
